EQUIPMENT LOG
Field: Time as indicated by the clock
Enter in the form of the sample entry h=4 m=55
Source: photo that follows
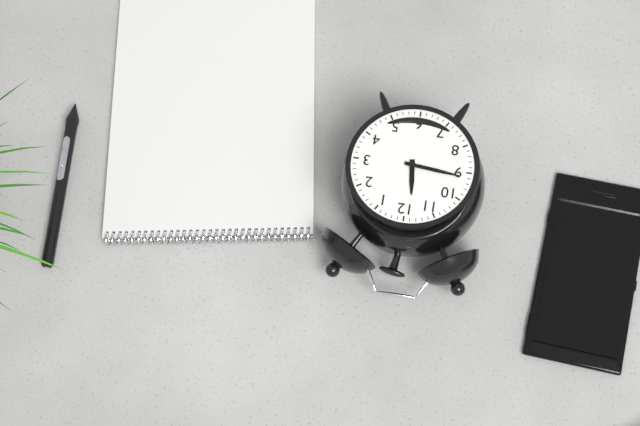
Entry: h=11 m=46
